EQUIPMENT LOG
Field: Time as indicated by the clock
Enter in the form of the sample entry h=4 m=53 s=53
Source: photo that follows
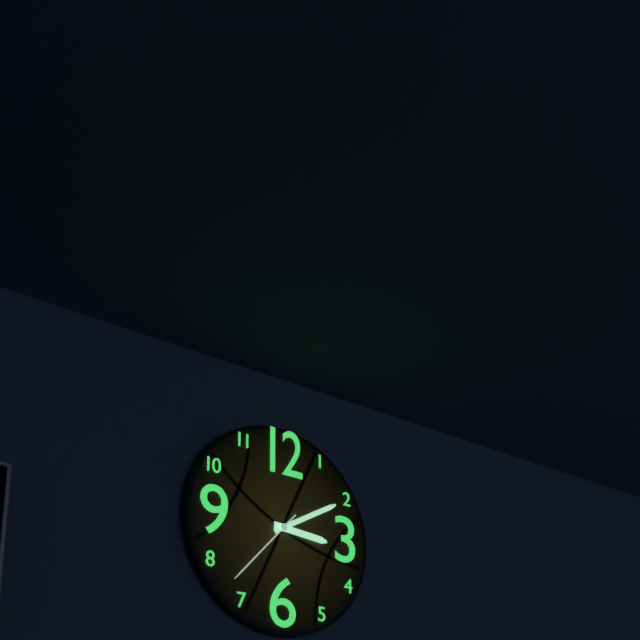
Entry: h=3 m=10 s=37
